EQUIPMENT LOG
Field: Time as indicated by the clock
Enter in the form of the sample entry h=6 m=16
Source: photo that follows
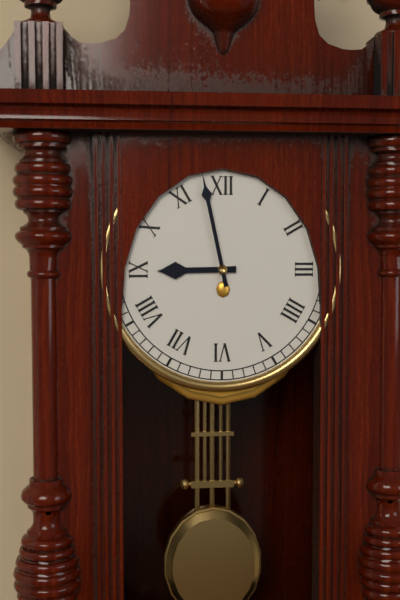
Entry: h=8 m=58
